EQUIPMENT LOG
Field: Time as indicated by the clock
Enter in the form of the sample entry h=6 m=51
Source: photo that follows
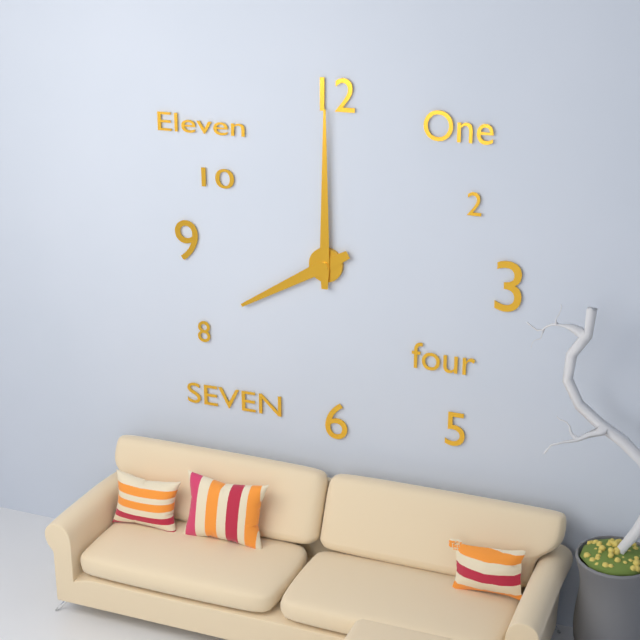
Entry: h=8 m=0
